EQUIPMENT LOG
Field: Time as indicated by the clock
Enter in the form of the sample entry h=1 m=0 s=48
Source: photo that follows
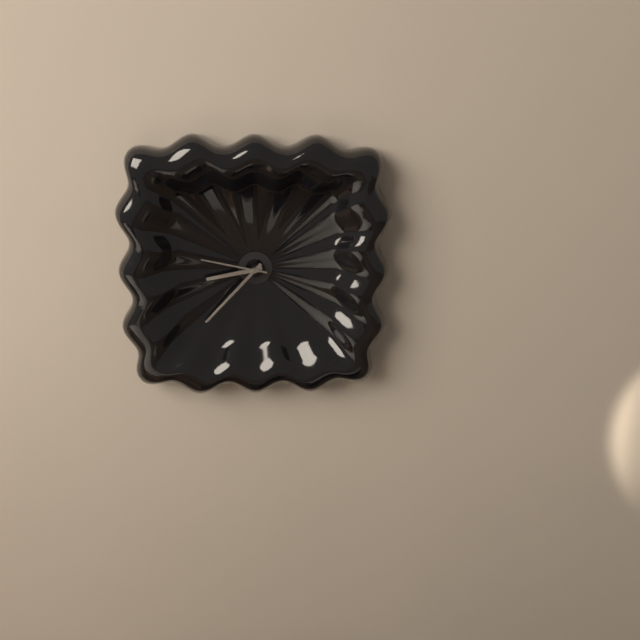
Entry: h=8 m=37 s=47
